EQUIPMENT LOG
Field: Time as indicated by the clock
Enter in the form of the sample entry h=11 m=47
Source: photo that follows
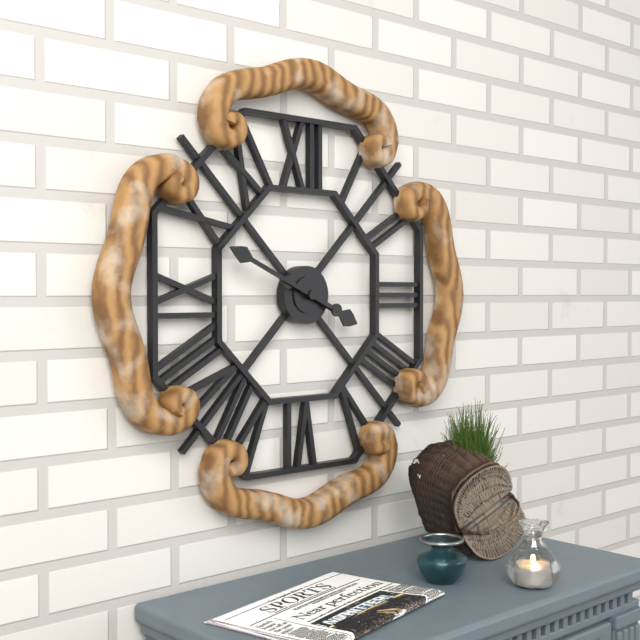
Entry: h=3 m=49
